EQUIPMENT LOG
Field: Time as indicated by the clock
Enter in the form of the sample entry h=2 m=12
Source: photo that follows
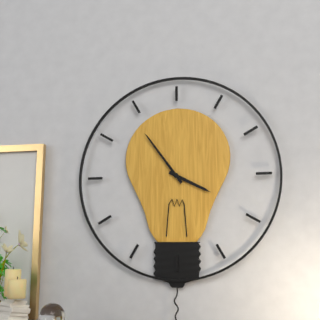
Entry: h=3 m=54
